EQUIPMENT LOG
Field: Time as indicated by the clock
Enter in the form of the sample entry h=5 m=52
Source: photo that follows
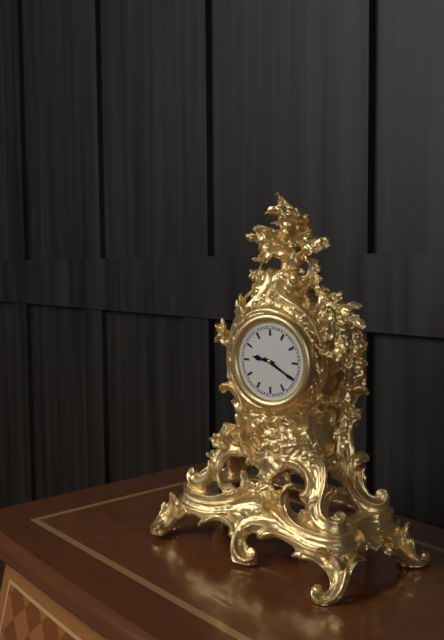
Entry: h=9 m=20
